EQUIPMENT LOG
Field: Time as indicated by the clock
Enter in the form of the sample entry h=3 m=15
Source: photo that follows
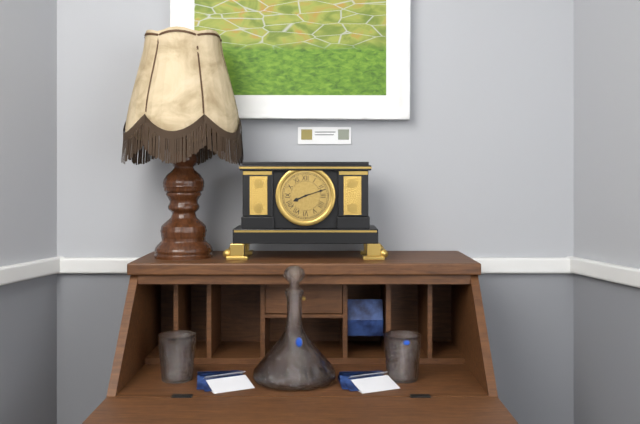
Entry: h=8 m=12
